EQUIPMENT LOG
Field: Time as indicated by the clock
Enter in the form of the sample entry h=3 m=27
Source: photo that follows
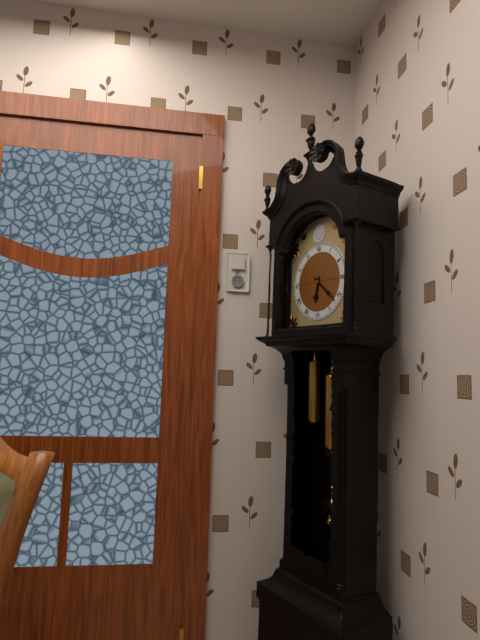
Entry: h=6 m=22
